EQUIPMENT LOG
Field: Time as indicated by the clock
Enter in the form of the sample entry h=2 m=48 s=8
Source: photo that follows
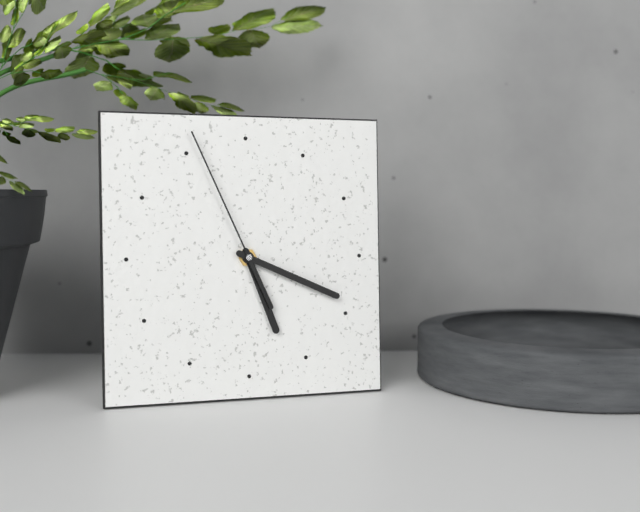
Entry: h=5 m=19 s=56
